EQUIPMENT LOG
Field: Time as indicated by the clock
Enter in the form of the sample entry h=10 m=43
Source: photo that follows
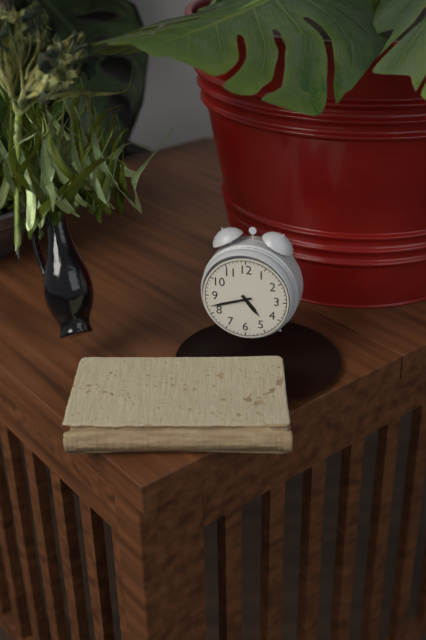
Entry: h=4 m=42
